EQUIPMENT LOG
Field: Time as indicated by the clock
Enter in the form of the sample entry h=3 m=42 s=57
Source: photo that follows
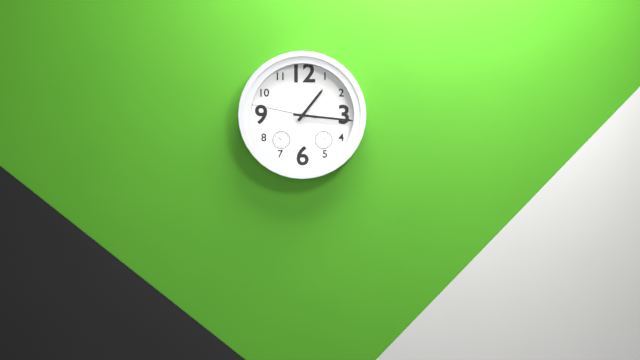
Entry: h=1 m=16 s=47
